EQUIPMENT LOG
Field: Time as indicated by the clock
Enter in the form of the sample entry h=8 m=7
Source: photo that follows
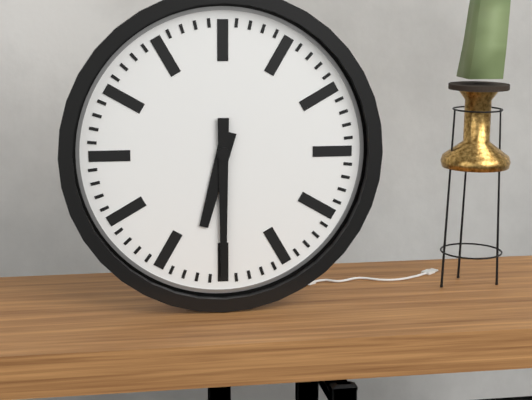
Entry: h=6 m=30
